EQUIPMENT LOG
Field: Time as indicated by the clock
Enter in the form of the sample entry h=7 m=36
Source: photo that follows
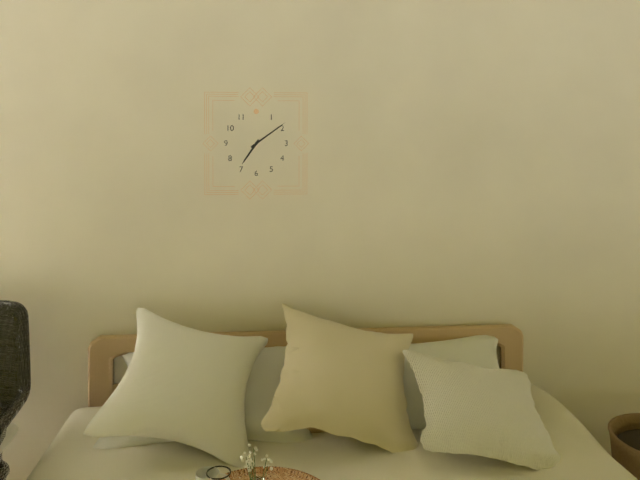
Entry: h=7 m=9
